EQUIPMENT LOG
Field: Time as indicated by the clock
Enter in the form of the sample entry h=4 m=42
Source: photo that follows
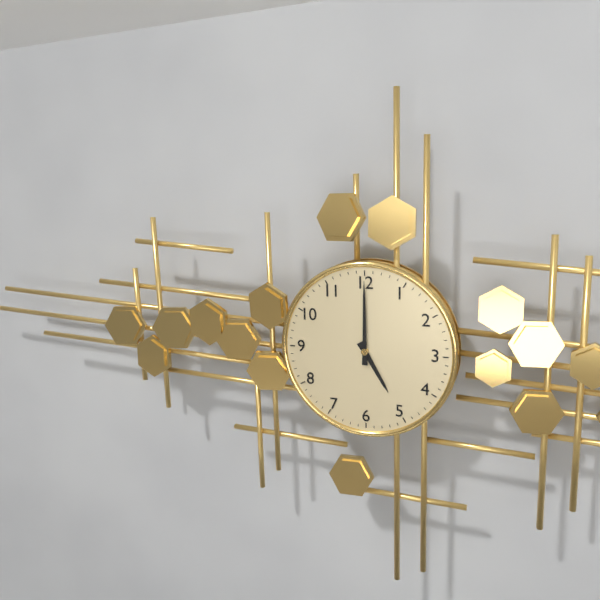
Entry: h=5 m=0
